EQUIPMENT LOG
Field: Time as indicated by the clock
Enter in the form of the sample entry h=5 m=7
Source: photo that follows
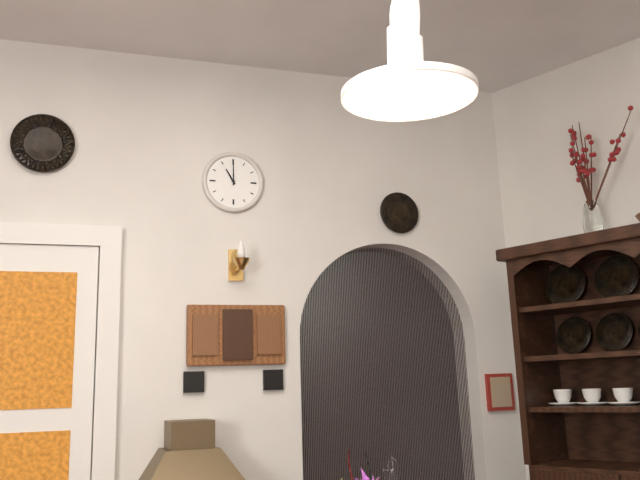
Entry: h=11 m=0
